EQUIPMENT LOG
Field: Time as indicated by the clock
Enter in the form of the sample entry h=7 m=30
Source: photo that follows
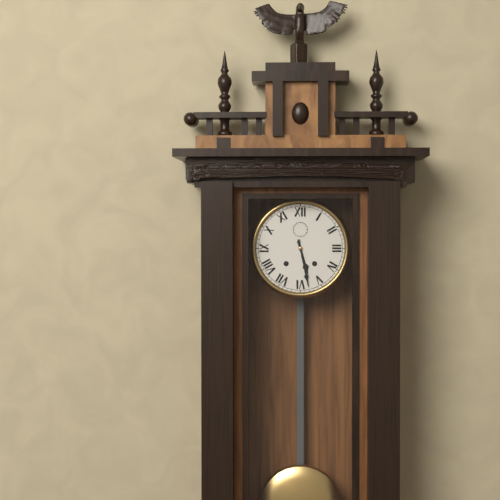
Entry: h=5 m=28
